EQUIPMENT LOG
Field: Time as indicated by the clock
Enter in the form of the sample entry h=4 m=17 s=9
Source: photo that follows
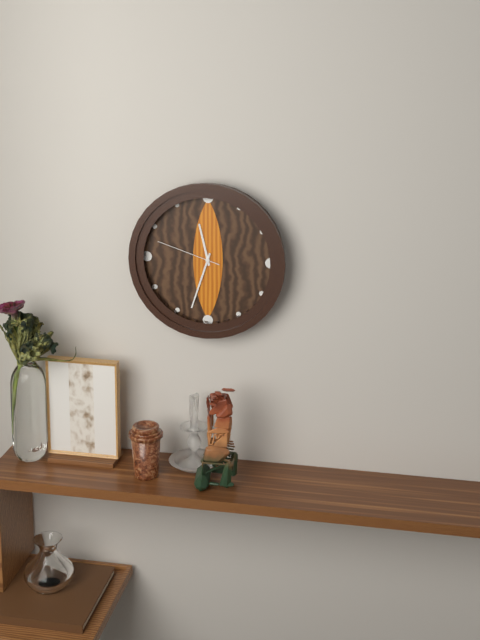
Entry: h=11 m=33 s=48
